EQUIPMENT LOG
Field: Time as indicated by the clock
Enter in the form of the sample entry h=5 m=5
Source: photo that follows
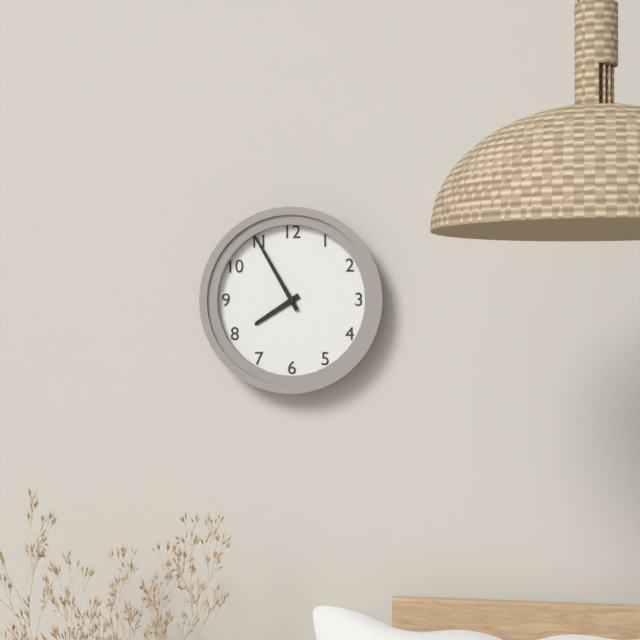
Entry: h=7 m=55
